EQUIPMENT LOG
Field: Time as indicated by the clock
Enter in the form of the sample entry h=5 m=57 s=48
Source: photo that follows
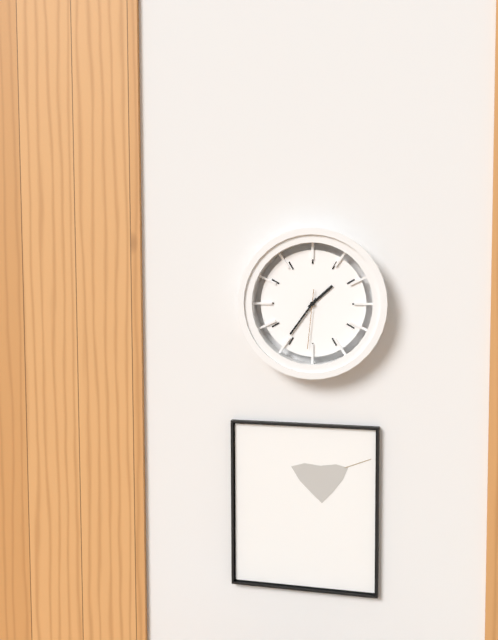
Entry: h=1 m=36 s=31
